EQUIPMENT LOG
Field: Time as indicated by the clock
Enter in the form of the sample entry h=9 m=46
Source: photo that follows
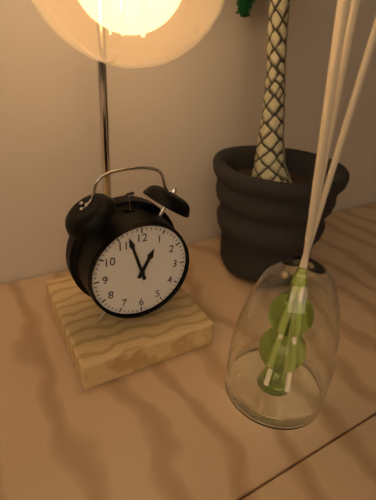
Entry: h=12 m=57
